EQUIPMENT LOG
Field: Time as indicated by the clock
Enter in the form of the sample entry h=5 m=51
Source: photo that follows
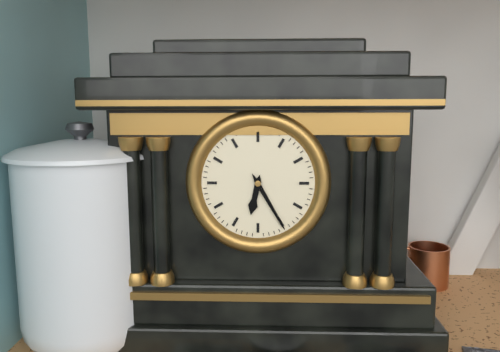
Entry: h=6 m=25
